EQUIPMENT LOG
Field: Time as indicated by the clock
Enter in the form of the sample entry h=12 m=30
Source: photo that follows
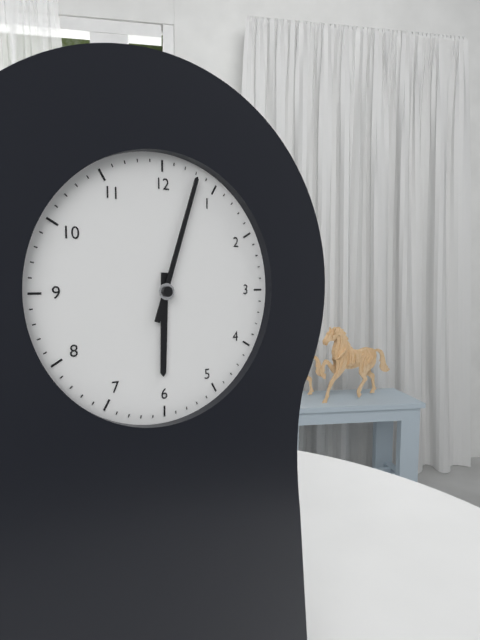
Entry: h=6 m=3
